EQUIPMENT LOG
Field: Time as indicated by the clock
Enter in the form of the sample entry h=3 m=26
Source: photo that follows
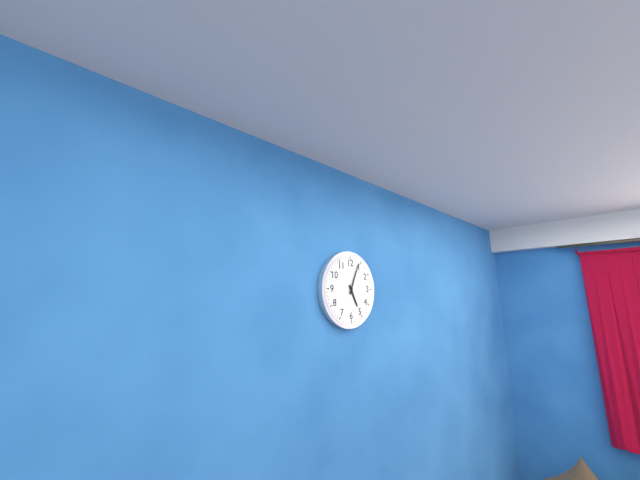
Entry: h=5 m=4
